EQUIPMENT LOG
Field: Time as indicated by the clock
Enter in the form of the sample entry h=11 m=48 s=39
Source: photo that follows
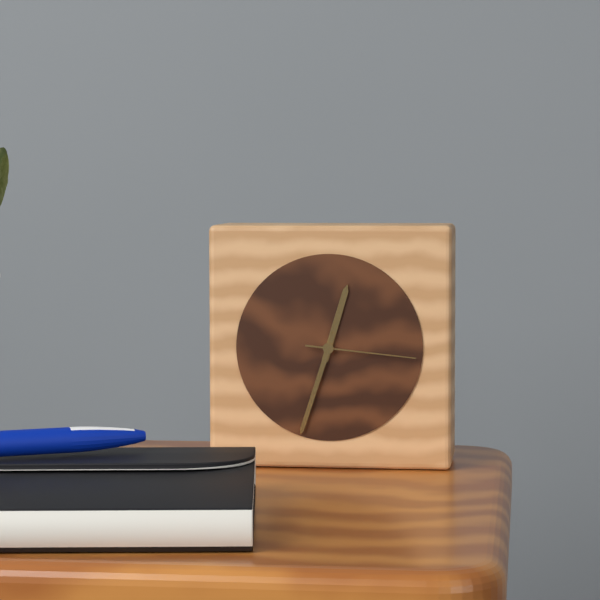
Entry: h=12 m=33 s=16
